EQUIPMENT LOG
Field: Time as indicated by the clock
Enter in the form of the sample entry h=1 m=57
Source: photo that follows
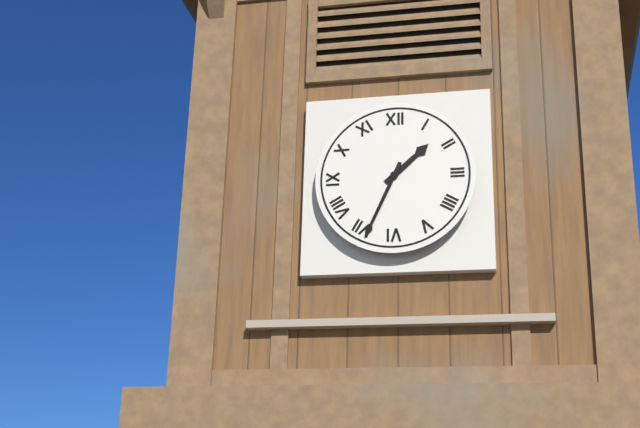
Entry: h=1 m=34
